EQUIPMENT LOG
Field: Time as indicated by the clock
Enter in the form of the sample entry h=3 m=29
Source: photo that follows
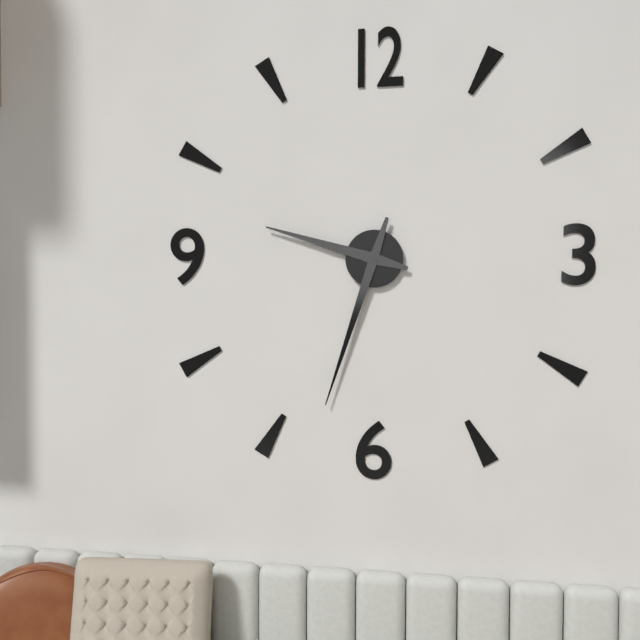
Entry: h=9 m=33
